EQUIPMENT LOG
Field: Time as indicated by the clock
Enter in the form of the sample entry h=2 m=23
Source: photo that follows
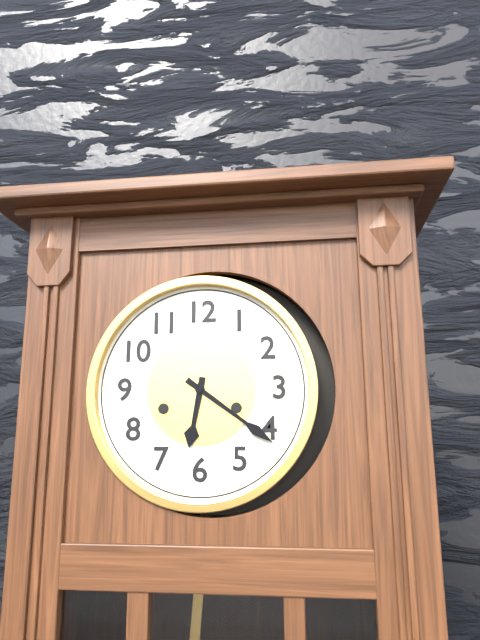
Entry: h=6 m=21
